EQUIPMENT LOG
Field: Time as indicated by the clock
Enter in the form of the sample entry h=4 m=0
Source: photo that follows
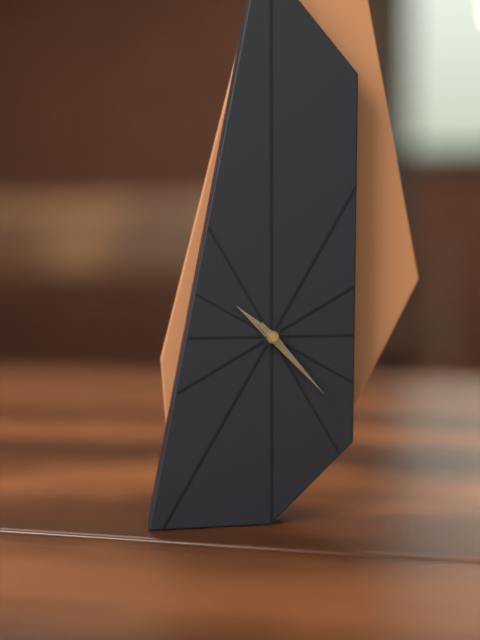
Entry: h=10 m=23
